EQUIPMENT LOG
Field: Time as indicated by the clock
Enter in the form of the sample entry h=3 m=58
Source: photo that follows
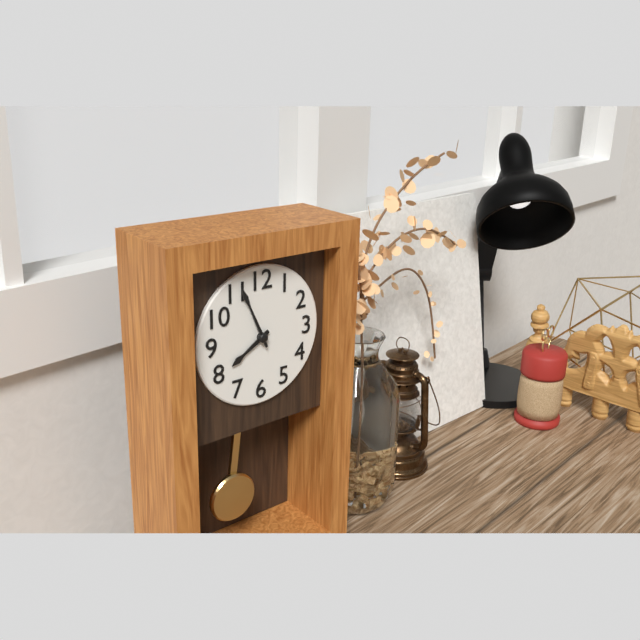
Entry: h=7 m=56
